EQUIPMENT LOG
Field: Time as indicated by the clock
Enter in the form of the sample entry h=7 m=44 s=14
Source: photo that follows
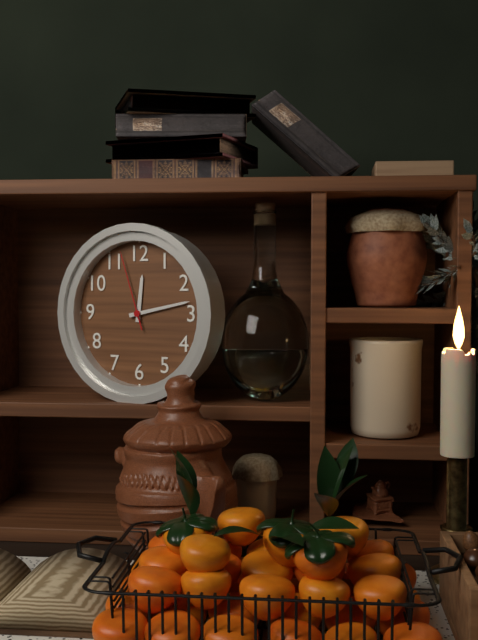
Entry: h=12 m=13 s=57
